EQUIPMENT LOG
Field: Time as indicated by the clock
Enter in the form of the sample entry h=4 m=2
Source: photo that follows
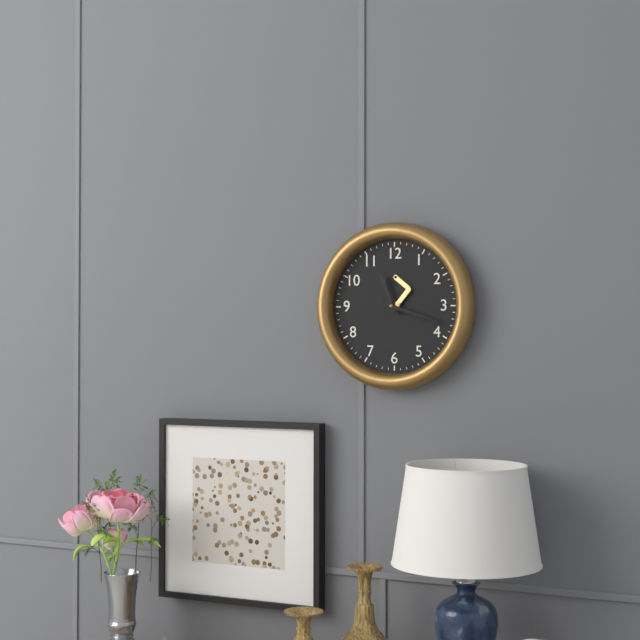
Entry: h=11 m=18
